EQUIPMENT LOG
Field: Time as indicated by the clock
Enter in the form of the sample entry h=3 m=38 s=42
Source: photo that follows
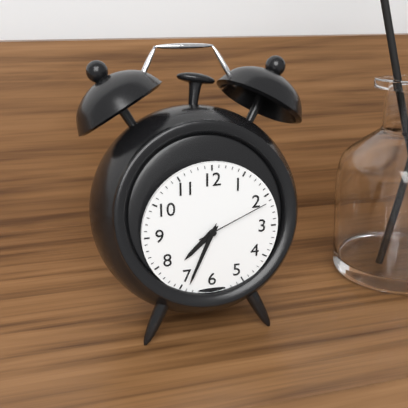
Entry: h=7 m=34 s=11
